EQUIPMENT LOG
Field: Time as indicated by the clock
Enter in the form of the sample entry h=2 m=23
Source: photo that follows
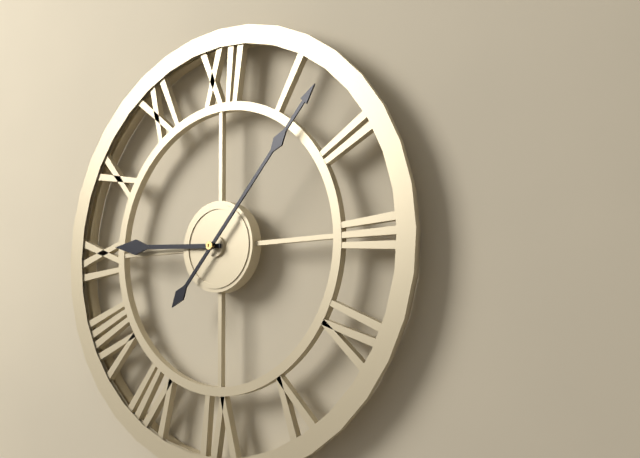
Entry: h=9 m=7
